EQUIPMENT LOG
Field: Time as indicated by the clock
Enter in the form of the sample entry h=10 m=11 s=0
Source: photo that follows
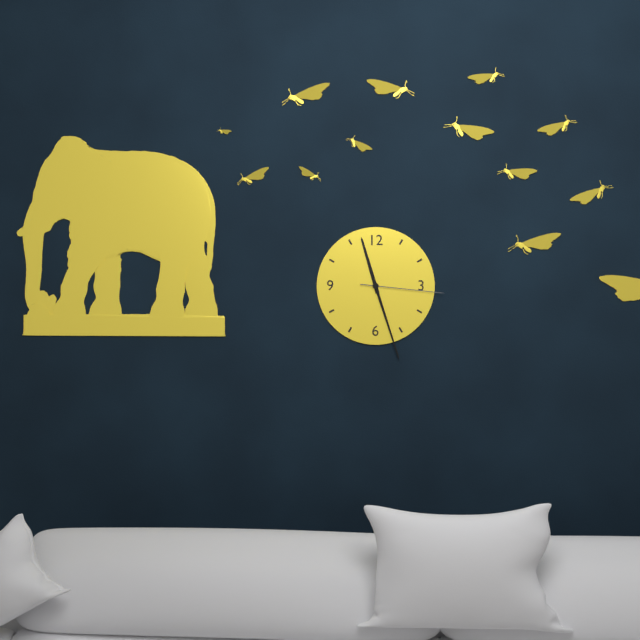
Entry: h=11 m=27 s=16
